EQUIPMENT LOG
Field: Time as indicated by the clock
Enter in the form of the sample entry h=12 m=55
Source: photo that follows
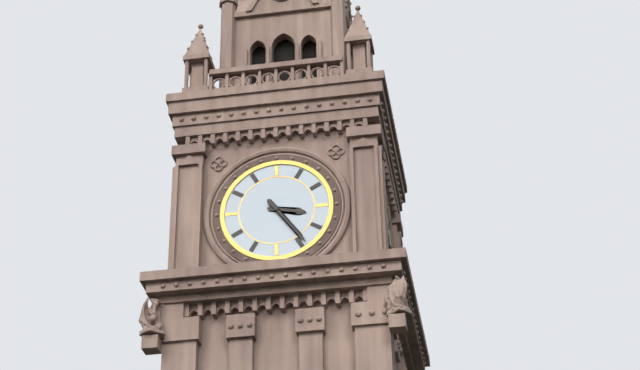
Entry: h=3 m=24
